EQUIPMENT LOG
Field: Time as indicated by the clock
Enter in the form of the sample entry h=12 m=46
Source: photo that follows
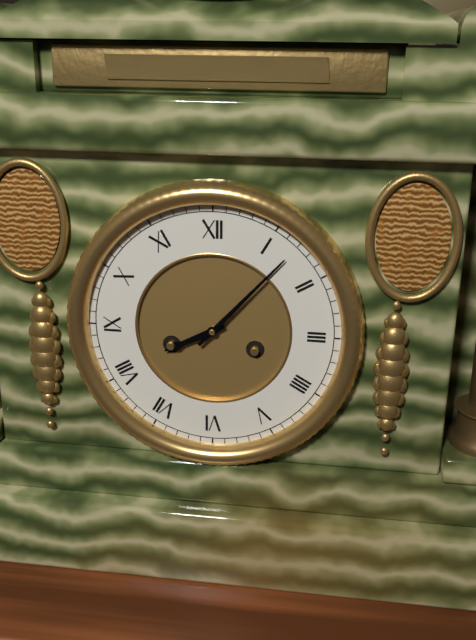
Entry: h=8 m=7
